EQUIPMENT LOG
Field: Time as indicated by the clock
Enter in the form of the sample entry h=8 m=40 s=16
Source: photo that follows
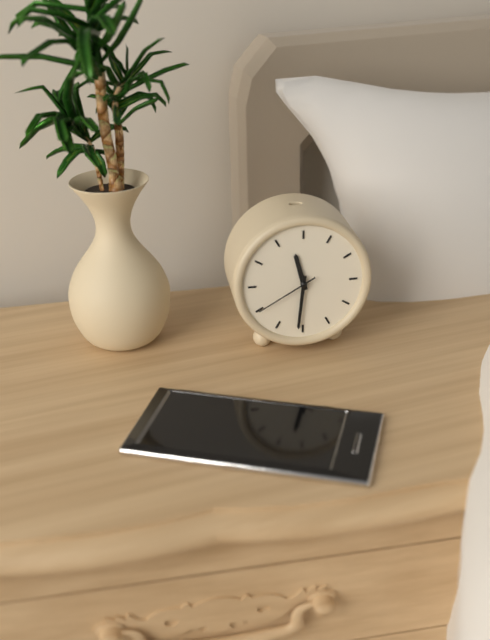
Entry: h=11 m=31 s=40
